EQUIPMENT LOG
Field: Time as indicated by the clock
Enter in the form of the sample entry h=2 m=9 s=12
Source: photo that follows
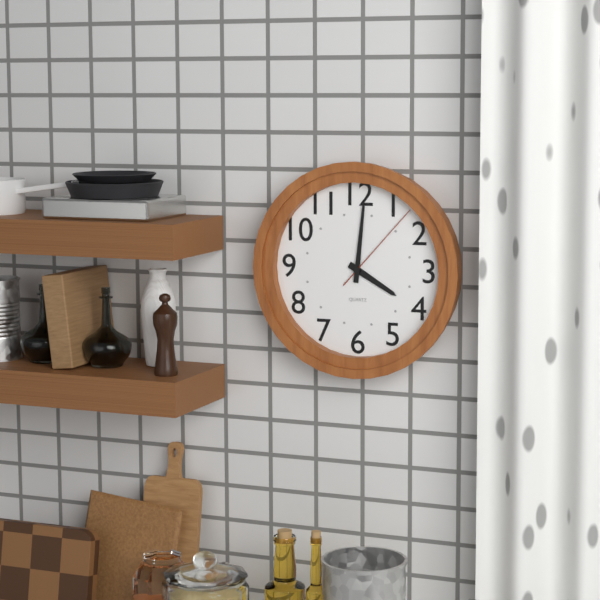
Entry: h=4 m=1 s=7
